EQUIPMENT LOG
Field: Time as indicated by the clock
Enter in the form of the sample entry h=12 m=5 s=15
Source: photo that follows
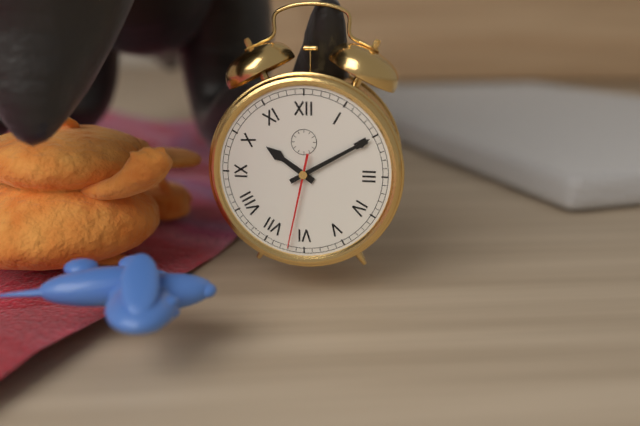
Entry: h=10 m=10 s=32
